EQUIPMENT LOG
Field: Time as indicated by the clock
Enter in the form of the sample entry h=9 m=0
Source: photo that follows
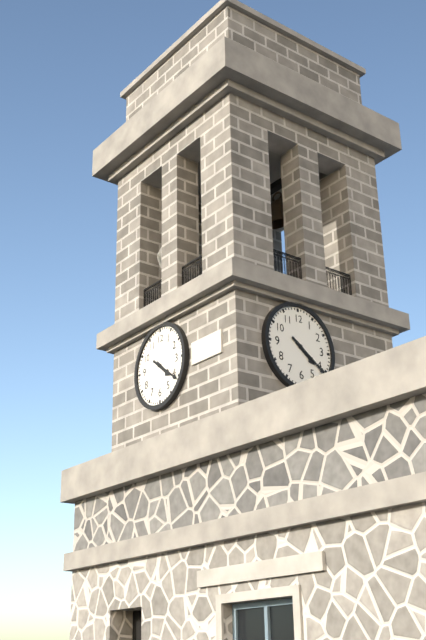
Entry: h=4 m=21
